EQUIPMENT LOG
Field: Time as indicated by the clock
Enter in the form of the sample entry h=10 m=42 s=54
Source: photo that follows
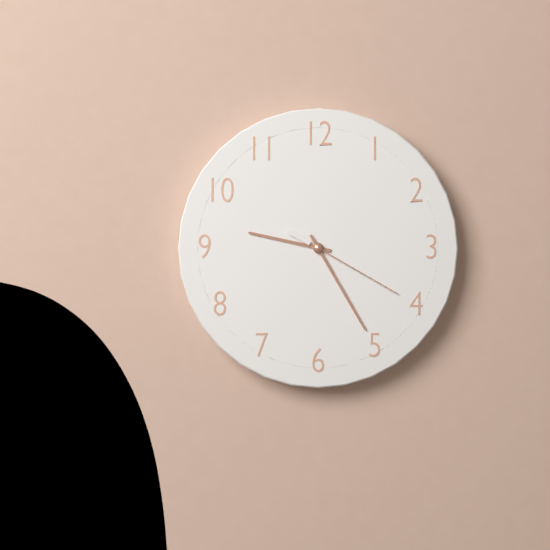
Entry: h=9 m=25 s=20
